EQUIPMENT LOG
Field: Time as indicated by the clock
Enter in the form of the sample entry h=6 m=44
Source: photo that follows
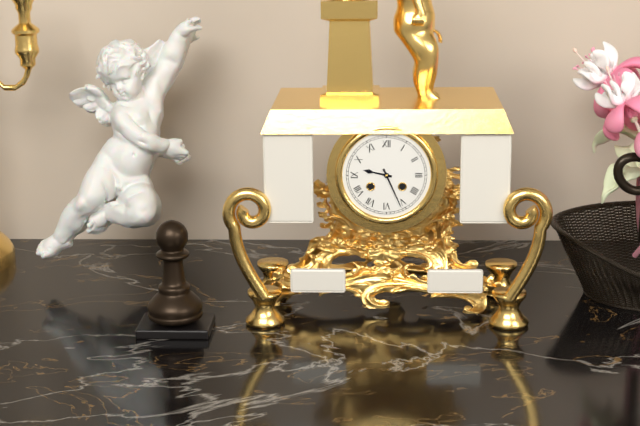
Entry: h=9 m=26
